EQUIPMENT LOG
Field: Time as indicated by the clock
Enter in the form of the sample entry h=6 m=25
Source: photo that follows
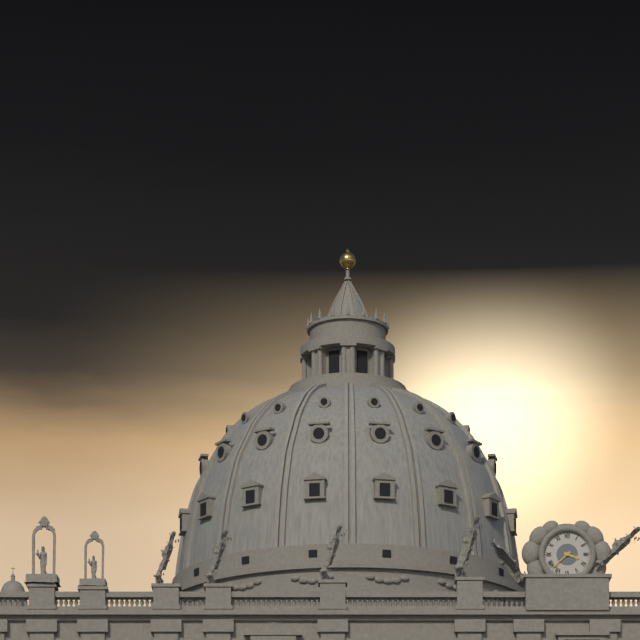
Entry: h=3 m=38
